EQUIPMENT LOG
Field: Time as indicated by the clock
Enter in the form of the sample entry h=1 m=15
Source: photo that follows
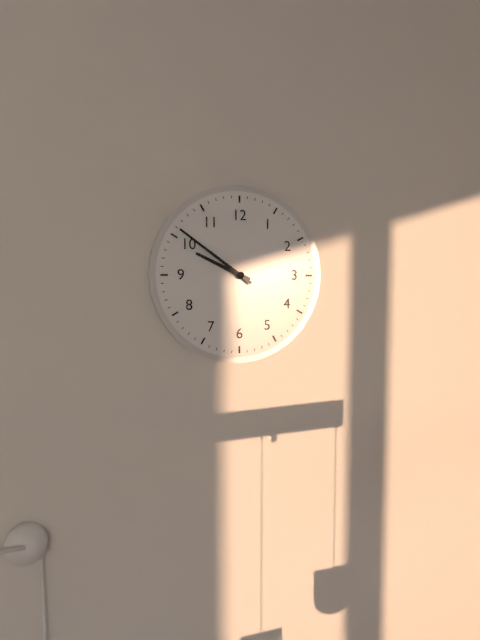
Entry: h=9 m=51
